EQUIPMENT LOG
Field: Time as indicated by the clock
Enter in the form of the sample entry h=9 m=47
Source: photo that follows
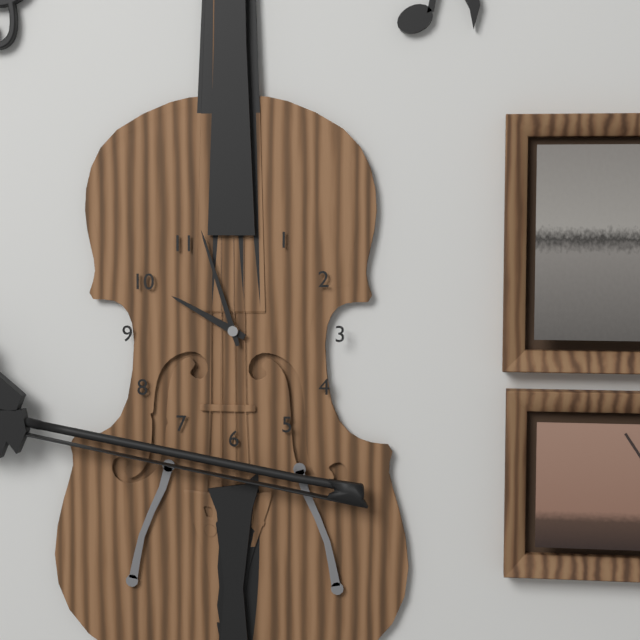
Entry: h=9 m=57
